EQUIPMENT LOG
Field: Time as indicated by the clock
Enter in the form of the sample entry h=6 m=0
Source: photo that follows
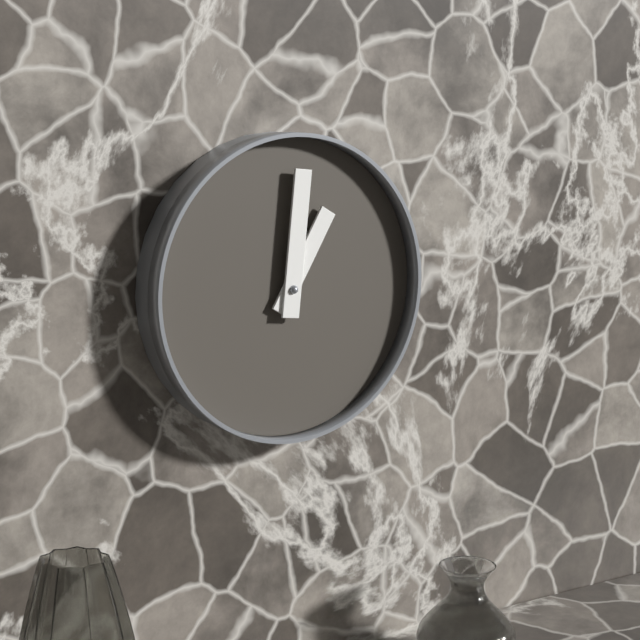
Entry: h=1 m=1
